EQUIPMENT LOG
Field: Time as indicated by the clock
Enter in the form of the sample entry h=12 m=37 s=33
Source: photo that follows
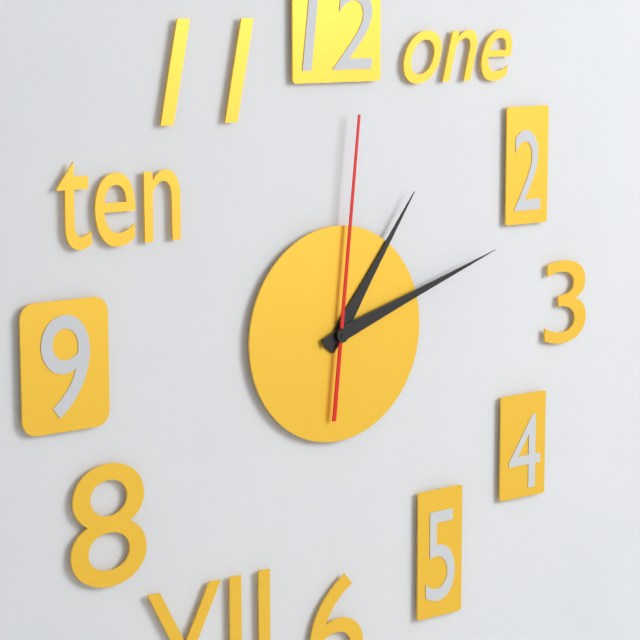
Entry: h=1 m=12 s=1
